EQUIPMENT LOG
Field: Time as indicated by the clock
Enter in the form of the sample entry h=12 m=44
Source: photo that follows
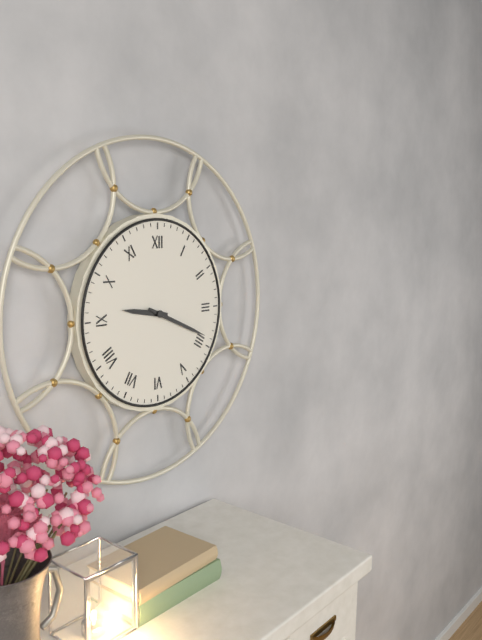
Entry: h=9 m=19
